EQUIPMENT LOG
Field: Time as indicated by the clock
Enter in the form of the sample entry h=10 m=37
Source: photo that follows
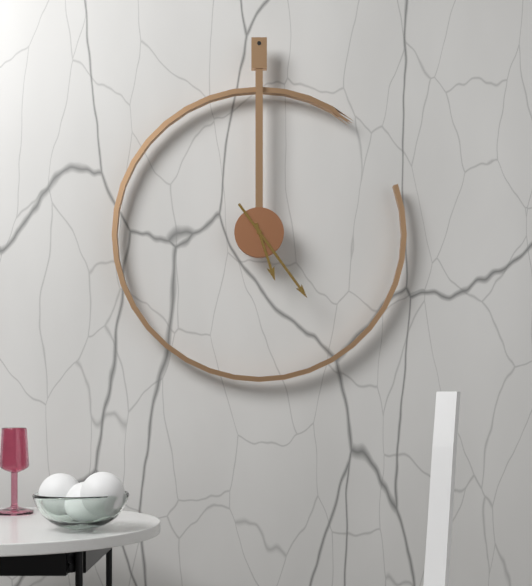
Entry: h=5 m=24
